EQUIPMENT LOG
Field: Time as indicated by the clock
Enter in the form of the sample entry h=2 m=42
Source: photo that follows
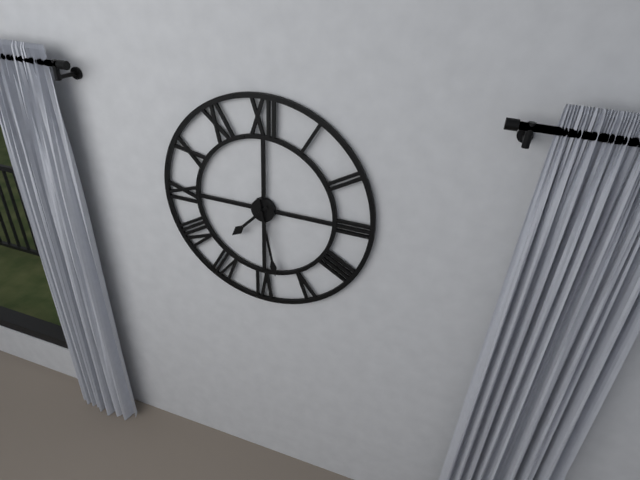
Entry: h=7 m=28
